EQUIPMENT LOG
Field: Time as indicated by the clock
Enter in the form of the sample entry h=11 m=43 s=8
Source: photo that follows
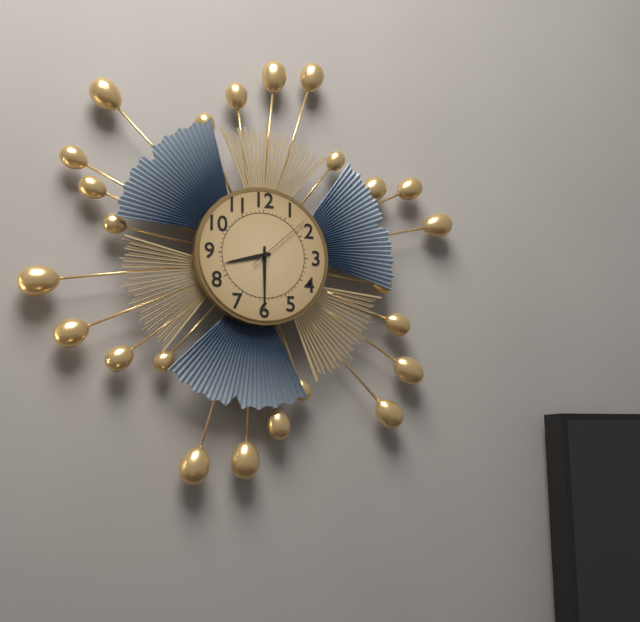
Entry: h=8 m=30 s=8
